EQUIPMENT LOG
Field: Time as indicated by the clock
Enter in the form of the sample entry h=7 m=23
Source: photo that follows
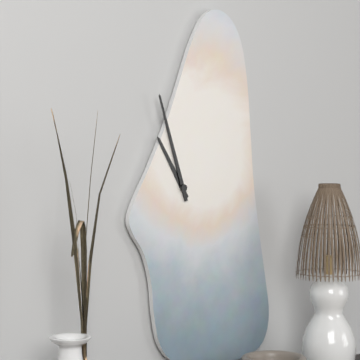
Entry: h=10 m=57
